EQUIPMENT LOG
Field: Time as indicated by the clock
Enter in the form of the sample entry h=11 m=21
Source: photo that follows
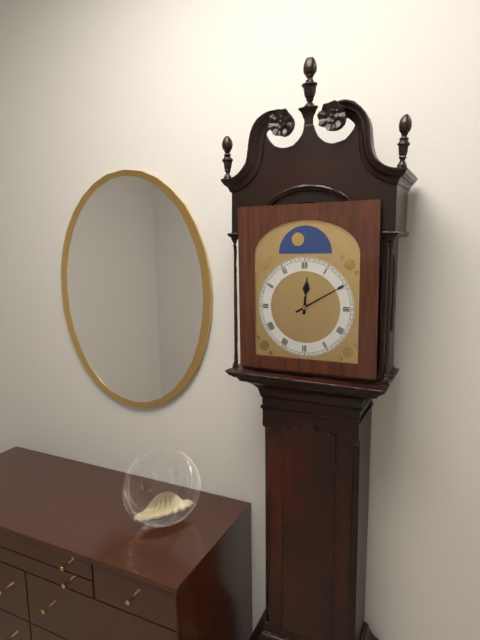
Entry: h=12 m=10
